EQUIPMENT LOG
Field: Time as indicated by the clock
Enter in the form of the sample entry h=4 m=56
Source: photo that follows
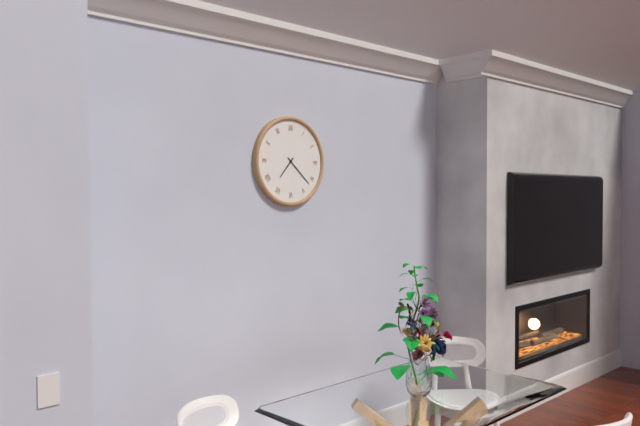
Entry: h=7 m=22
